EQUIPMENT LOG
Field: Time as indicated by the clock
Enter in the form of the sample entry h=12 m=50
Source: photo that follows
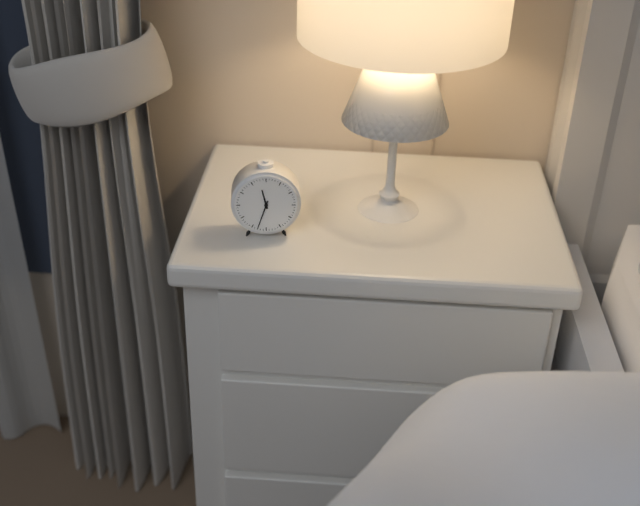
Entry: h=11 m=33
